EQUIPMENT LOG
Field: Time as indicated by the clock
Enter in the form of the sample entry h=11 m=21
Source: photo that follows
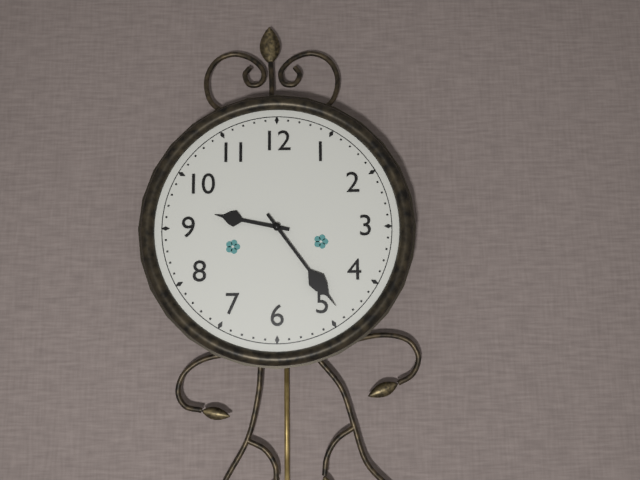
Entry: h=9 m=24
